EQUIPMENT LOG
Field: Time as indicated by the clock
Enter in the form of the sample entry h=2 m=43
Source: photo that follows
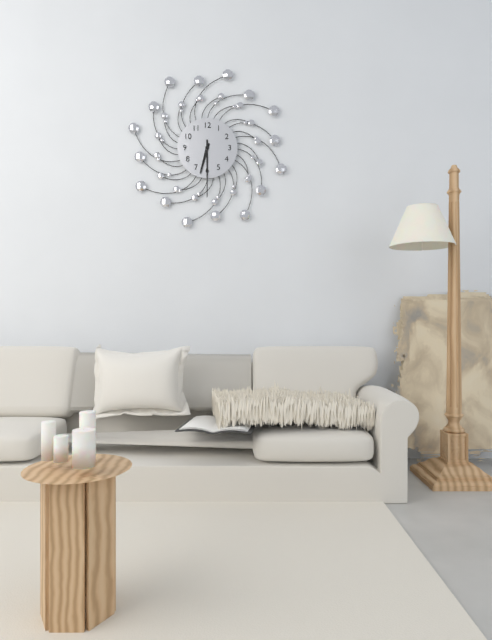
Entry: h=6 m=30
